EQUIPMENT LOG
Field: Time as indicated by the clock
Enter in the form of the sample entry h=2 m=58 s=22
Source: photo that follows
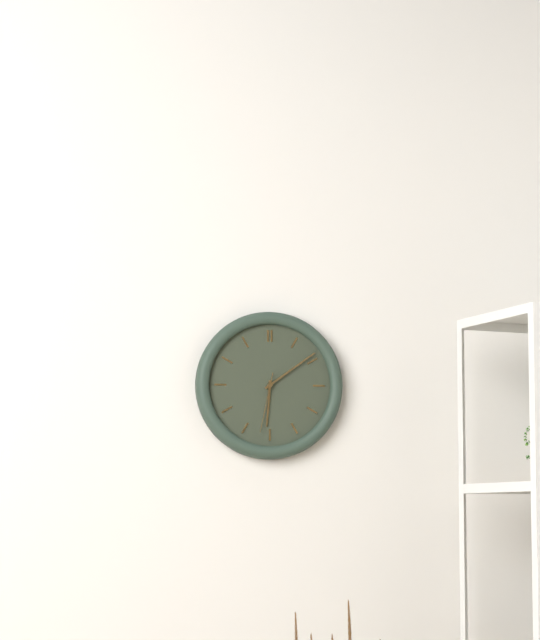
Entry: h=6 m=9 s=32
